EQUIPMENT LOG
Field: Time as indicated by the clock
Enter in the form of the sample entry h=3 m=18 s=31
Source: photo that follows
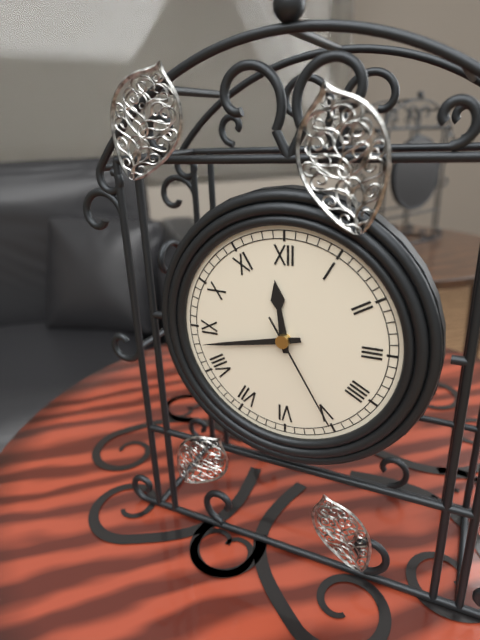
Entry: h=11 m=43 s=25
